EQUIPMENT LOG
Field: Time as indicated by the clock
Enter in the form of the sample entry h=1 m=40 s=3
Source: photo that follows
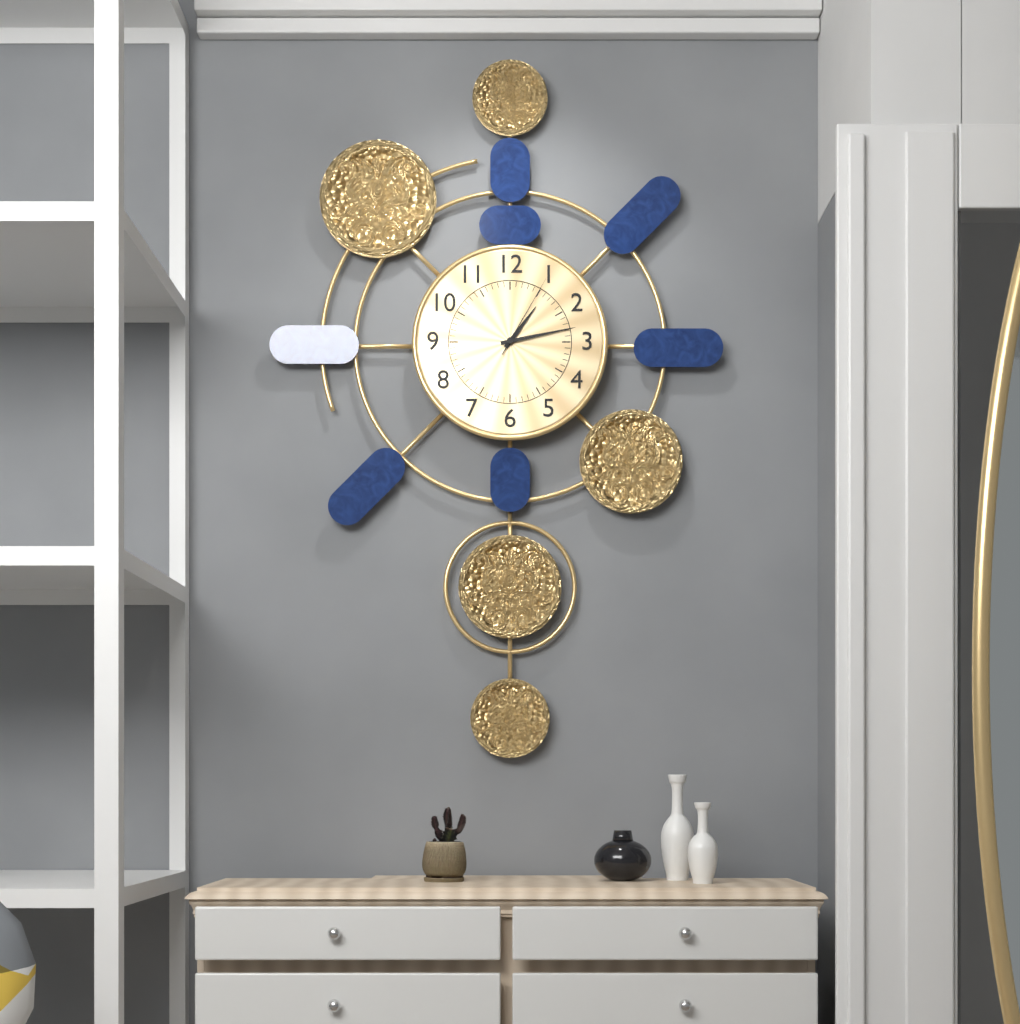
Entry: h=1 m=13 s=5
